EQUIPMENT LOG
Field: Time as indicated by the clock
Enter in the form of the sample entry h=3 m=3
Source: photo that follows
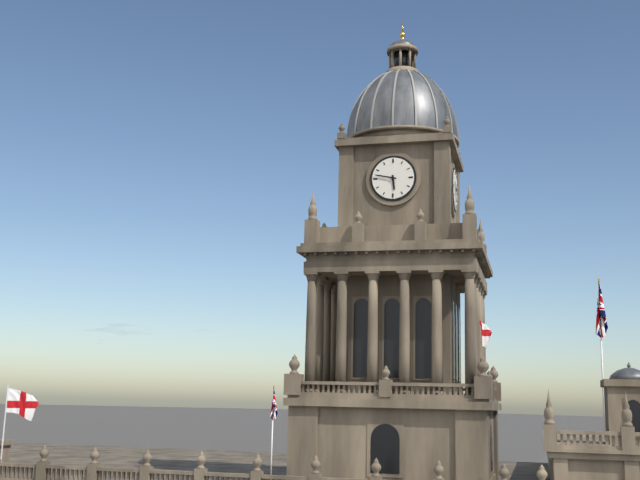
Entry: h=5 m=47
